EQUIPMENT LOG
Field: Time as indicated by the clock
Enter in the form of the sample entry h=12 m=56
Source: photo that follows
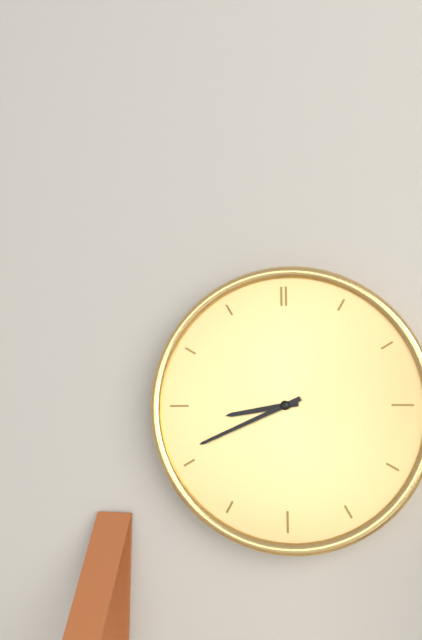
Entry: h=8 m=41
